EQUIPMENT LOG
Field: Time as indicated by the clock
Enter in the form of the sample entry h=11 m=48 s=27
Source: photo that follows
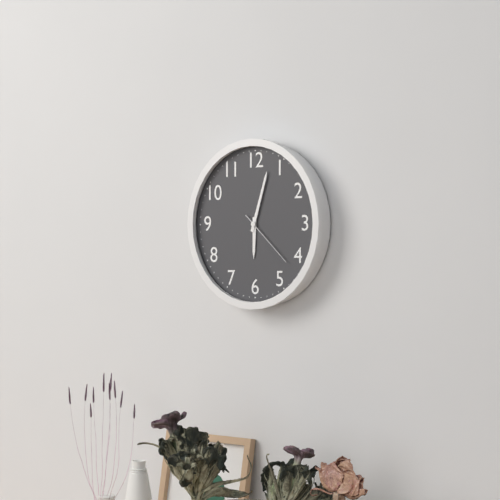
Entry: h=6 m=3 s=22
